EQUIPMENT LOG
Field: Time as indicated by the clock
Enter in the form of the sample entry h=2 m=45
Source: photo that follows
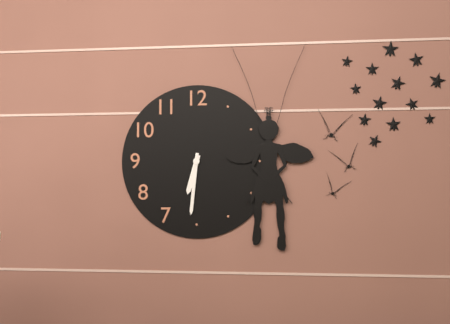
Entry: h=6 m=31
